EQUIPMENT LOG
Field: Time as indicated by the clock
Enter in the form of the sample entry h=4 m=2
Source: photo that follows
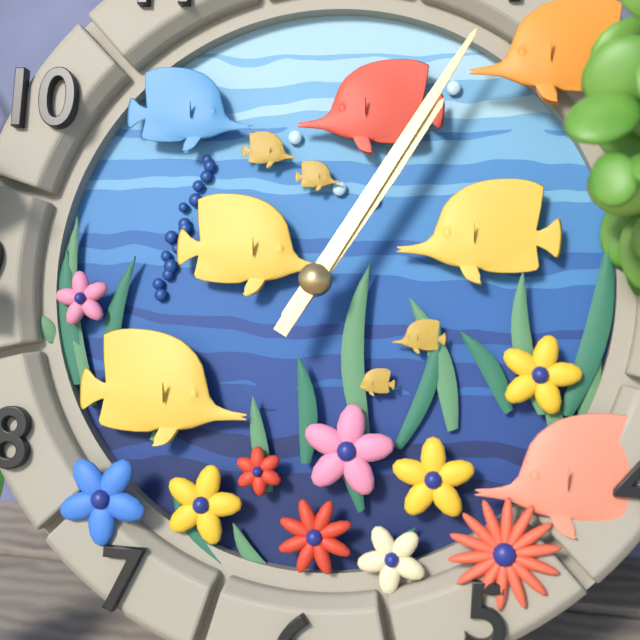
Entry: h=1 m=5
